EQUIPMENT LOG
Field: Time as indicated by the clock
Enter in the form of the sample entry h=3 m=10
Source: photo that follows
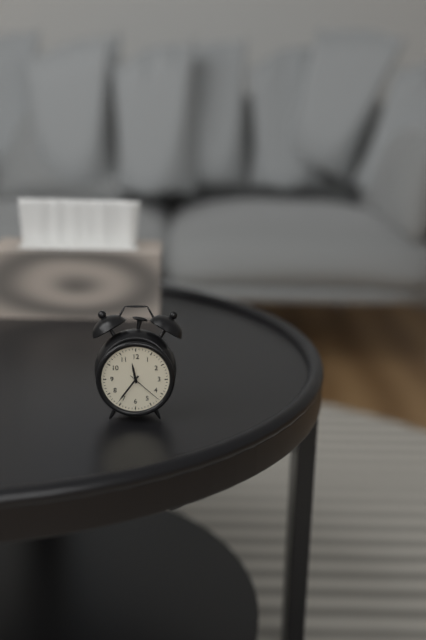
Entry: h=11 m=36
